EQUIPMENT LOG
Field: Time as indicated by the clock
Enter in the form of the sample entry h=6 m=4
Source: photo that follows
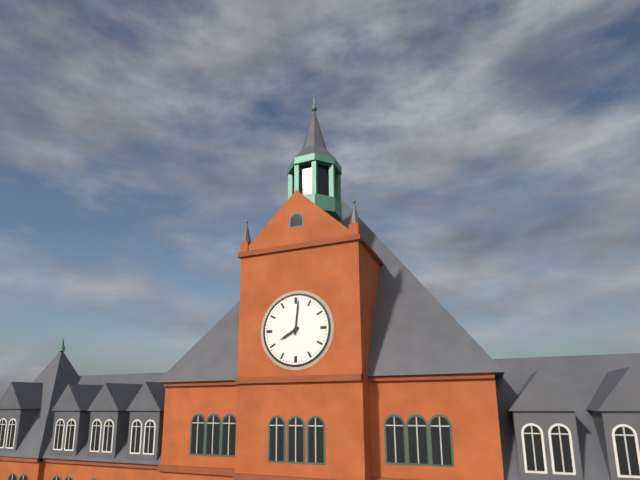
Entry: h=8 m=1
